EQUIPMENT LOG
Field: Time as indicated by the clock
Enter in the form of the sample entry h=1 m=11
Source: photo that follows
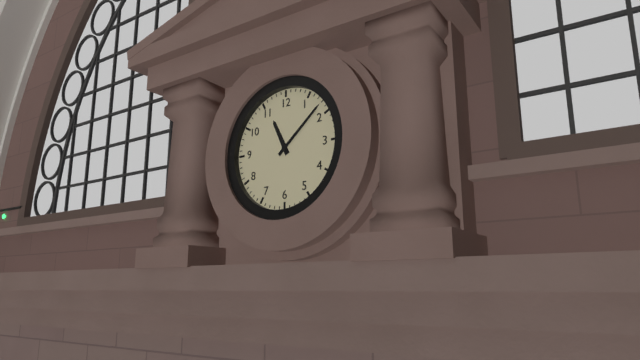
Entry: h=11 m=8
